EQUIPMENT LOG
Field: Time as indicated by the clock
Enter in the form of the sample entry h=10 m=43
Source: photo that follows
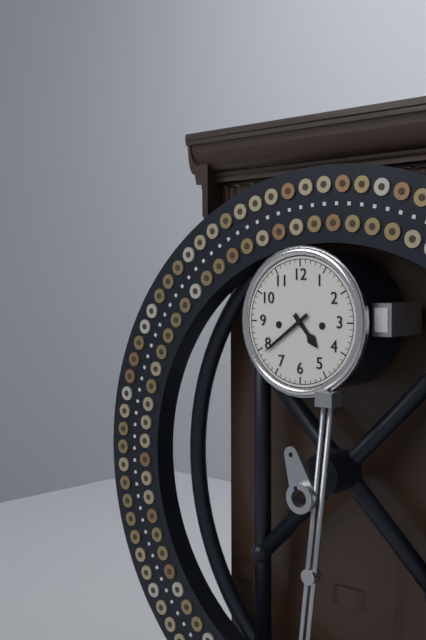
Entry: h=4 m=39
